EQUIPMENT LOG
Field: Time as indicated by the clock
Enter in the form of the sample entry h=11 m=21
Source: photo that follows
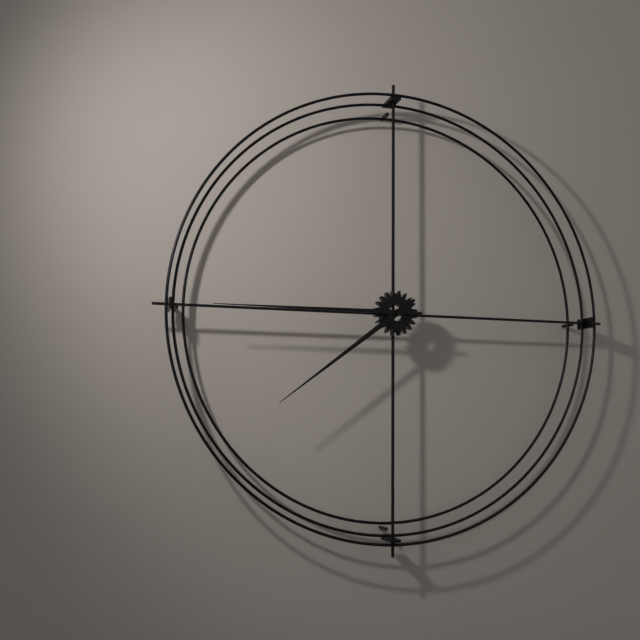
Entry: h=7 m=45
